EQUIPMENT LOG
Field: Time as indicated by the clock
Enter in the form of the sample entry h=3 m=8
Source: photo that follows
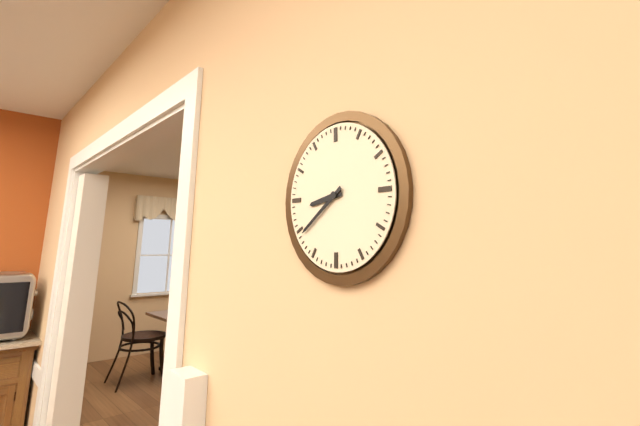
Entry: h=8 m=39
